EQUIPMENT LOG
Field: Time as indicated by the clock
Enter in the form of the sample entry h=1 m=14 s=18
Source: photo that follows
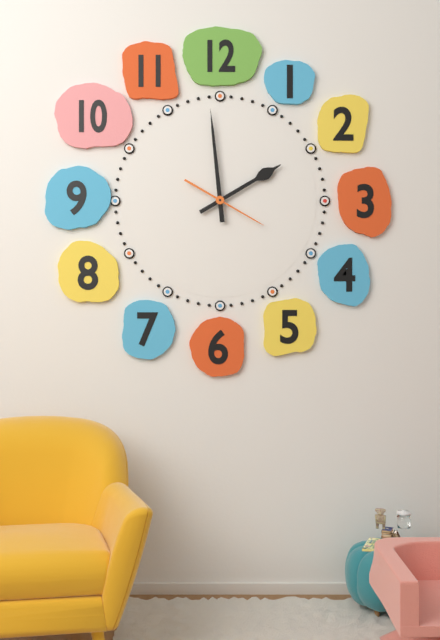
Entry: h=1 m=59 s=20
